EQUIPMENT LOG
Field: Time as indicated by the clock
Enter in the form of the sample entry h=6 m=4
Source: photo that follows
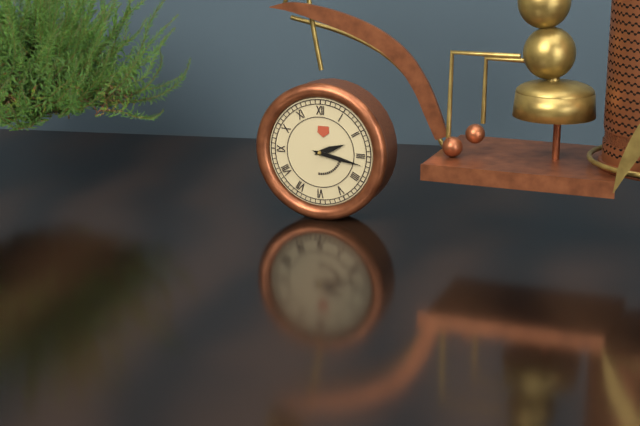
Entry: h=2 m=17
